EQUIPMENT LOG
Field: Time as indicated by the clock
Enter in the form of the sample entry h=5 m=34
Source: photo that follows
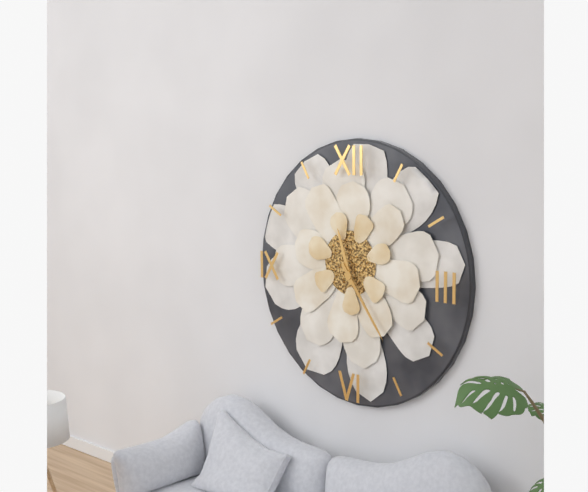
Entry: h=11 m=24
